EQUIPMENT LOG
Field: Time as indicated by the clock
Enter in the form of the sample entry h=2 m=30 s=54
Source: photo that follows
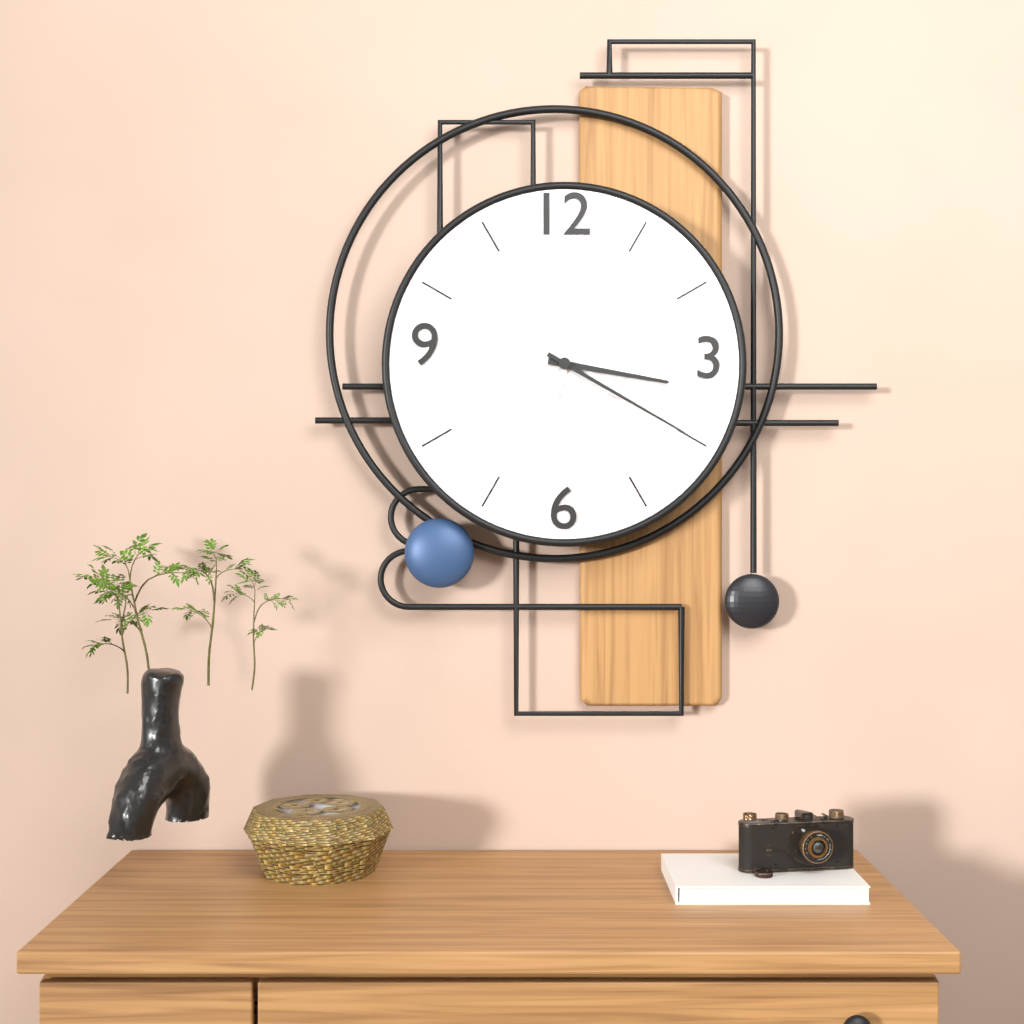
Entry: h=3 m=20 s=3
